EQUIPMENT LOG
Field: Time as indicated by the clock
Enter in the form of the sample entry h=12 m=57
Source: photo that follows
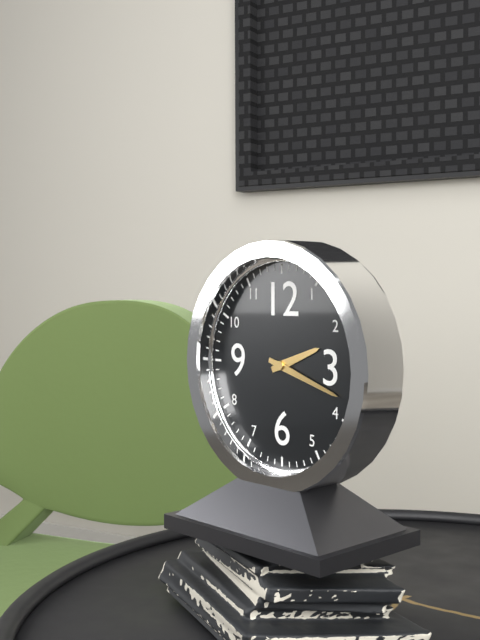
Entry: h=2 m=18
